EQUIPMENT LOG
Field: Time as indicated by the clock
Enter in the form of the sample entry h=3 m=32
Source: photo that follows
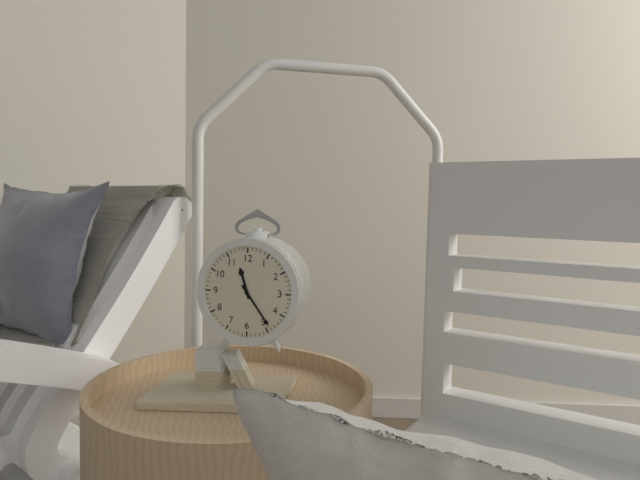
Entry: h=11 m=24
